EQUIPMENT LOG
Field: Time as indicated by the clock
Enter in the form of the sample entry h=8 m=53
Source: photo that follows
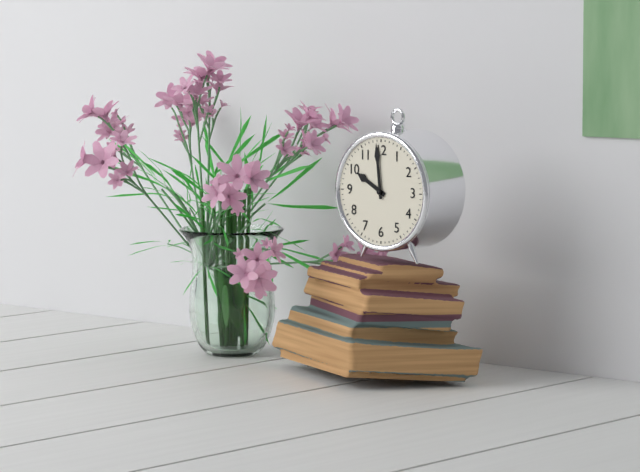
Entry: h=9 m=59
